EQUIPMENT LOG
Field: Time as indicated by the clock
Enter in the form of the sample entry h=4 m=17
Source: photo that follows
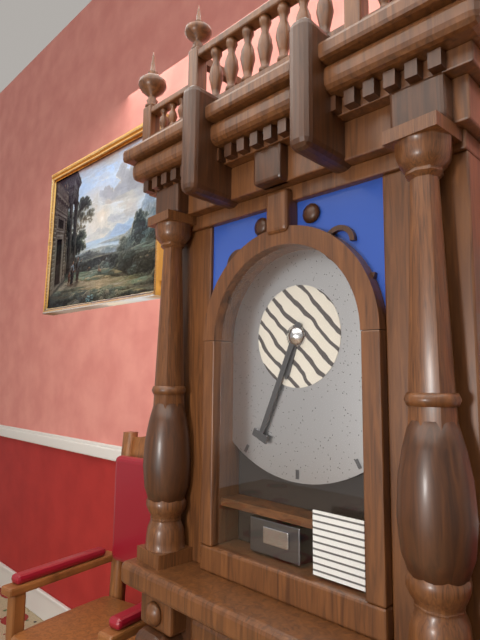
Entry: h=6 m=34
